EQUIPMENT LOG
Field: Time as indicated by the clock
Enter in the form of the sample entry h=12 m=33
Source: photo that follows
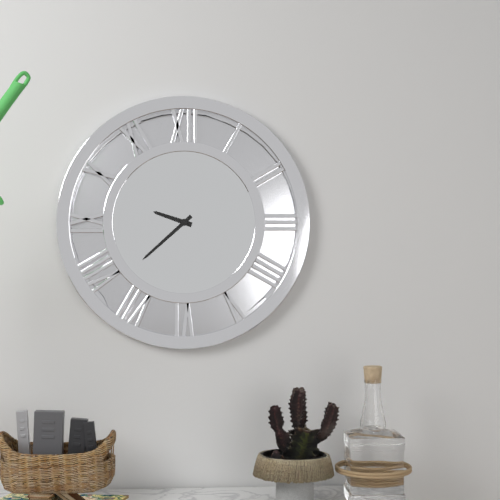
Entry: h=9 m=38
